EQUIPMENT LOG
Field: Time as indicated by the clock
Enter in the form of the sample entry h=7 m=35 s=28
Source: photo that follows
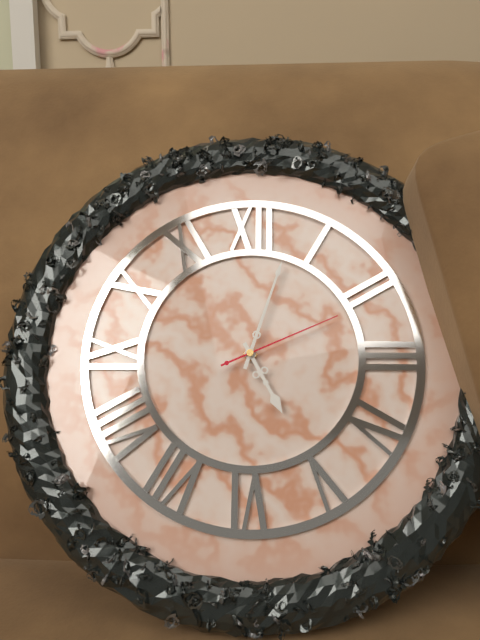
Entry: h=5 m=3 s=11
